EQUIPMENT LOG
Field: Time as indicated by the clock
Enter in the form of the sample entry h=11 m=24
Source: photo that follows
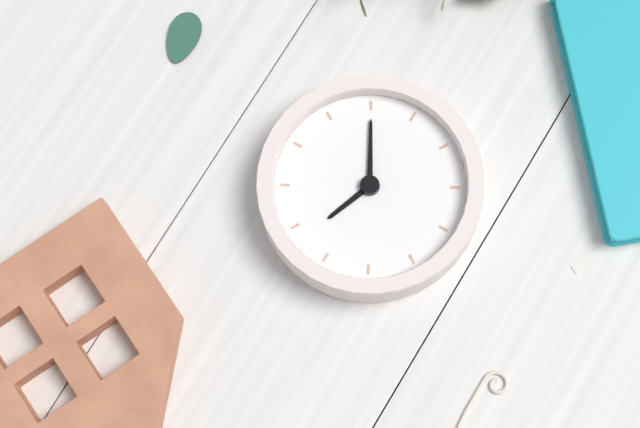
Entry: h=3 m=40
